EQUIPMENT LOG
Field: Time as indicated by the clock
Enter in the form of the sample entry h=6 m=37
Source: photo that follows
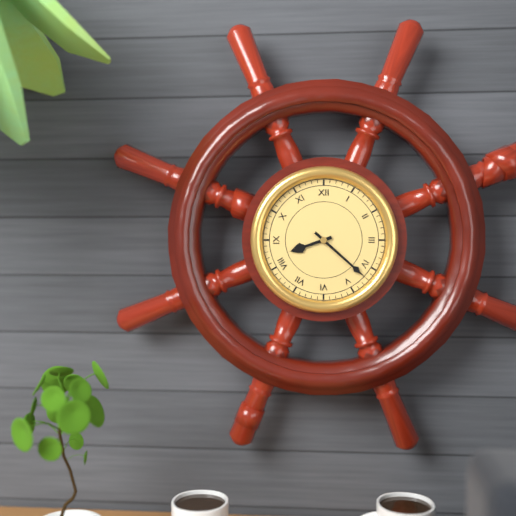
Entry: h=8 m=22
